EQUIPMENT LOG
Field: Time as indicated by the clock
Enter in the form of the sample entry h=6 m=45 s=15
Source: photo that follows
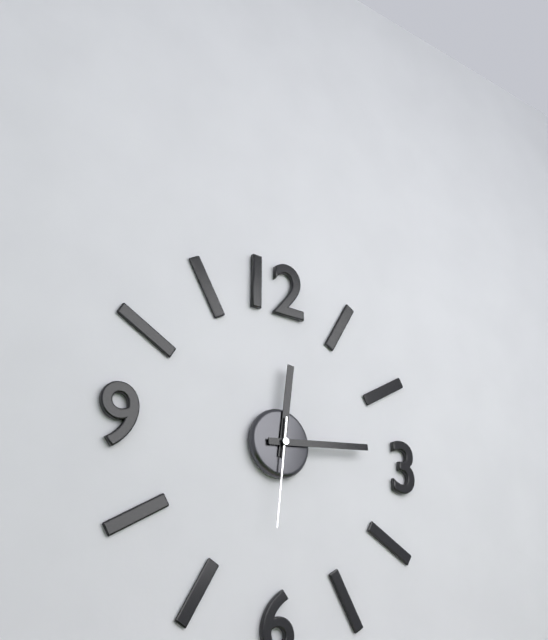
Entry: h=12 m=14 s=31
